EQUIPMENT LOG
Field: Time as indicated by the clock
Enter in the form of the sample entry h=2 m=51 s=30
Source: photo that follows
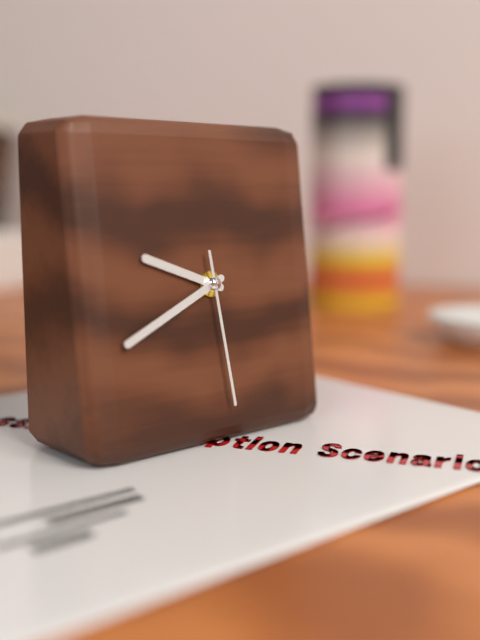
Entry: h=9 m=41 s=29
